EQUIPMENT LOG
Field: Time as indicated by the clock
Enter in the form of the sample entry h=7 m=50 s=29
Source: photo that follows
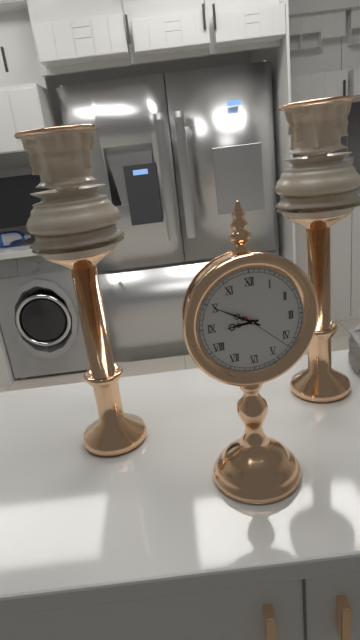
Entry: h=8 m=50 s=22
